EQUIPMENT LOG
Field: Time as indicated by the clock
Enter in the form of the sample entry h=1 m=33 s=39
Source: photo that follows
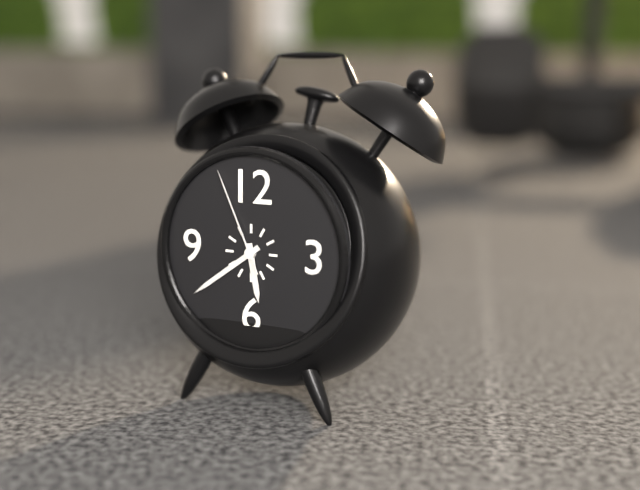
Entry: h=5 m=39 s=56
